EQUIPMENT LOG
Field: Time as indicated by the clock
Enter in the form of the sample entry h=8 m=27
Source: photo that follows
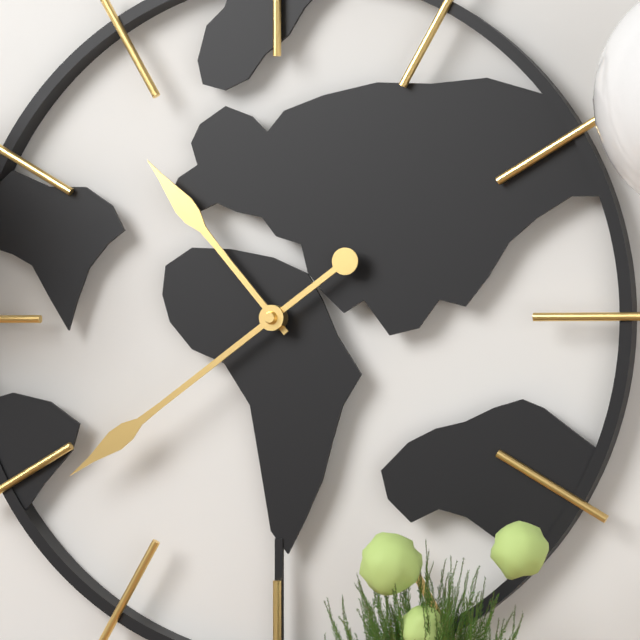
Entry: h=10 m=39
